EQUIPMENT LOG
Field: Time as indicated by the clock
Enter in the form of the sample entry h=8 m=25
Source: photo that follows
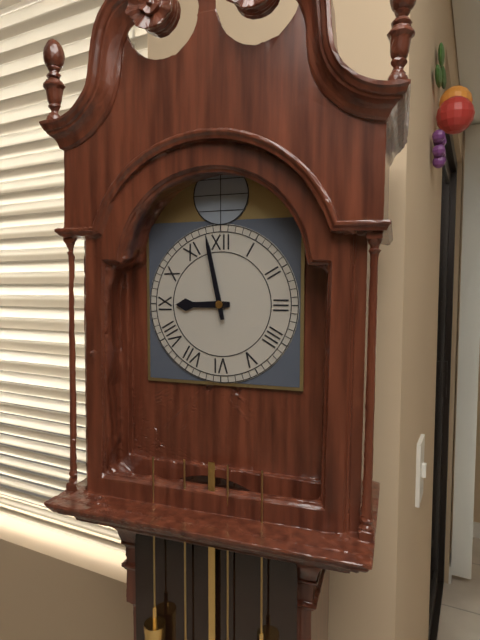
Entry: h=8 m=58
